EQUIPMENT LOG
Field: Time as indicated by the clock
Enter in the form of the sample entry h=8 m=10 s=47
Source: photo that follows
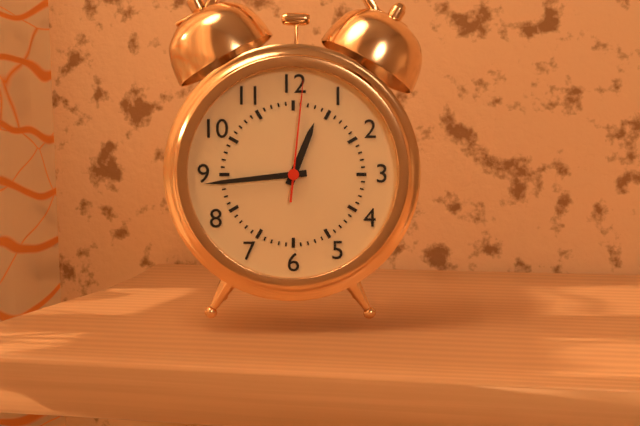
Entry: h=12 m=44 s=1
